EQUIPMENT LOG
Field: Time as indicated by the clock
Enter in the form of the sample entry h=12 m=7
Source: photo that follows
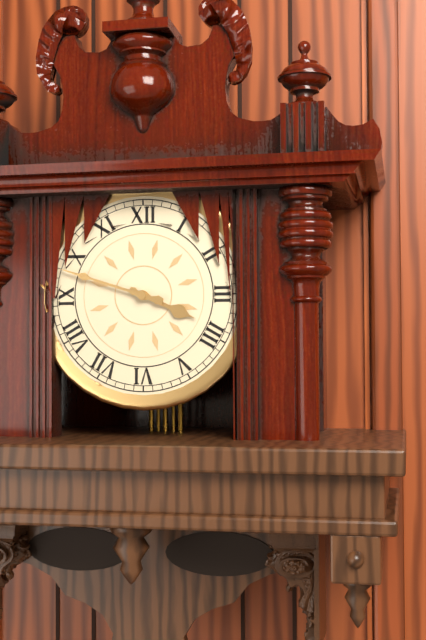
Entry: h=3 m=48
